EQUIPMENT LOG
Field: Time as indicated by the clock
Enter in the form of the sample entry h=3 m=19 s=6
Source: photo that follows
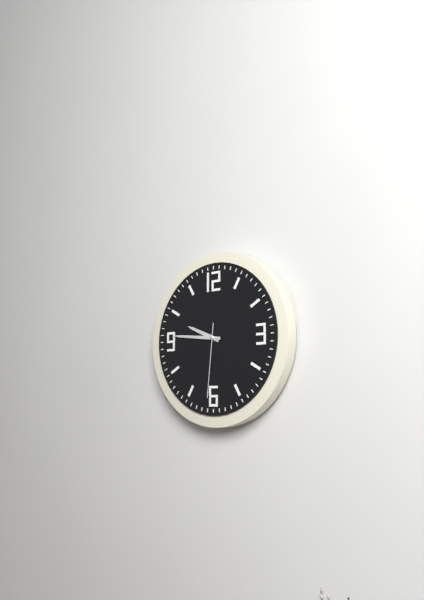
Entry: h=9 m=46 s=31
